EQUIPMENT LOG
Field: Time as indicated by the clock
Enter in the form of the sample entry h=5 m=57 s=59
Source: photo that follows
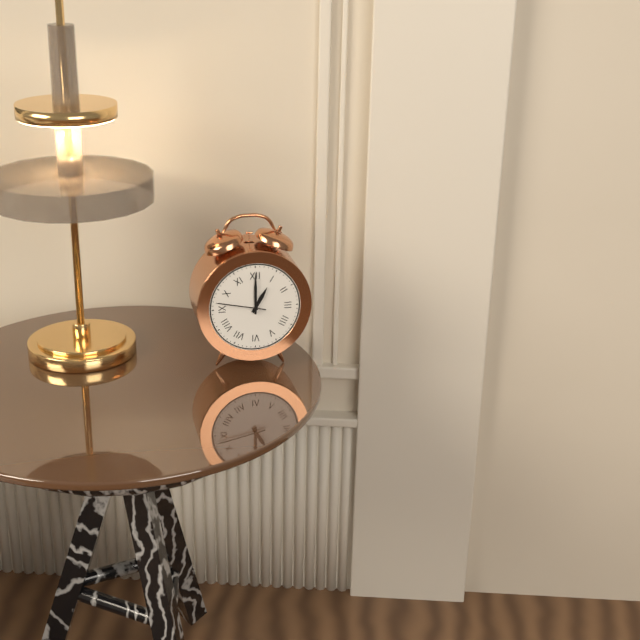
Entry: h=1 m=0 s=47
